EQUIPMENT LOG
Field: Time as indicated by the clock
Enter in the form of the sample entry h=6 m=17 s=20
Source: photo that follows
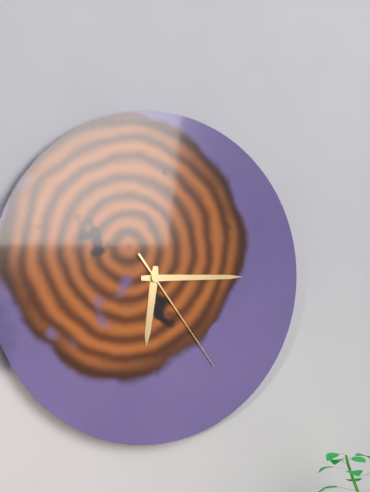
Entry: h=6 m=15 s=24
